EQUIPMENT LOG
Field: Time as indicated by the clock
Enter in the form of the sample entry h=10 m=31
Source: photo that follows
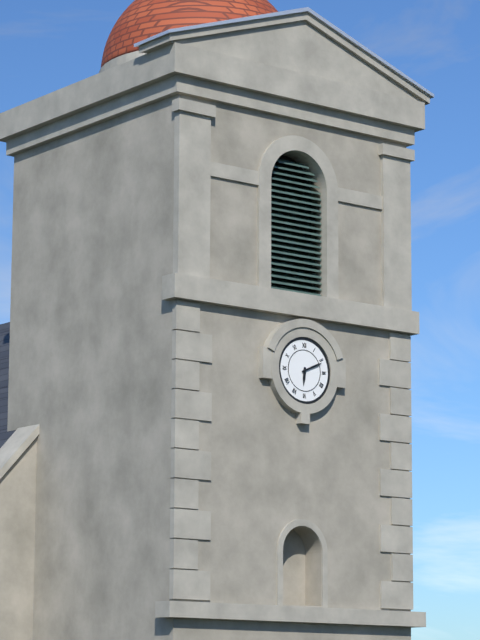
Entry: h=6 m=11
